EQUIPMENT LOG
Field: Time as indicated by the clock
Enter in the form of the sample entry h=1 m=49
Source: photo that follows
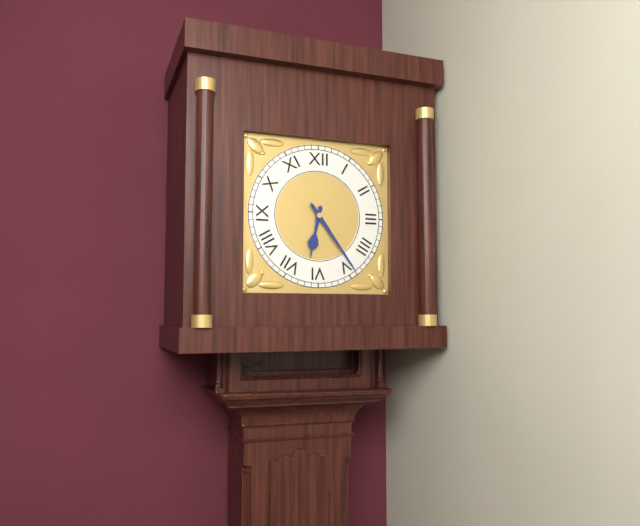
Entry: h=6 m=24
